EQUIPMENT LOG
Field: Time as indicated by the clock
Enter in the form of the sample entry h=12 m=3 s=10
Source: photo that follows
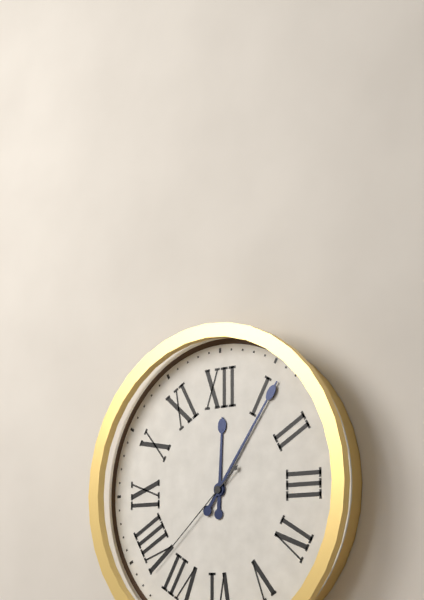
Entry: h=12 m=6 s=38
